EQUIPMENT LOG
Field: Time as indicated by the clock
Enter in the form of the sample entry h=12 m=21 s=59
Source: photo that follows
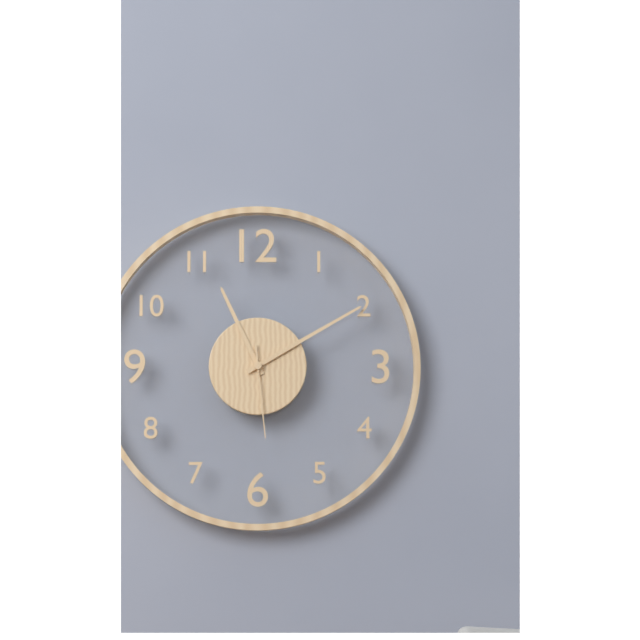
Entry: h=11 m=10 s=29
